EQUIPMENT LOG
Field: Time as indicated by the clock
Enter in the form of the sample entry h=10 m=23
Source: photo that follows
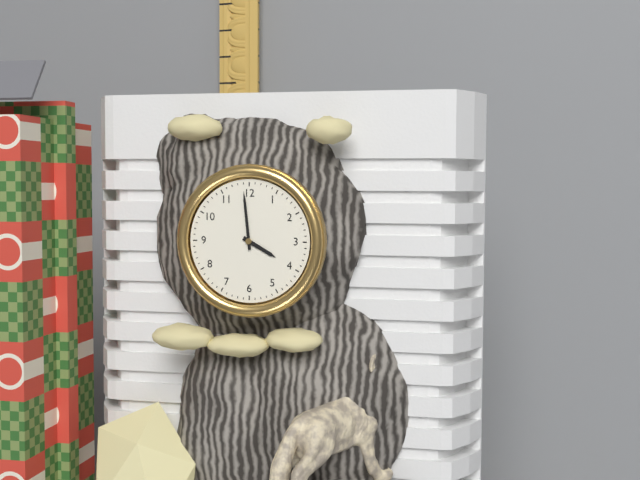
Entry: h=3 m=59
